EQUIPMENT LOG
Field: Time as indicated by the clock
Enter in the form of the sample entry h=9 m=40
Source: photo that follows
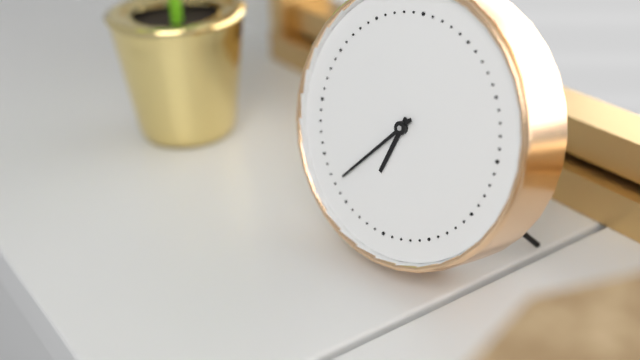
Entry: h=6 m=37
